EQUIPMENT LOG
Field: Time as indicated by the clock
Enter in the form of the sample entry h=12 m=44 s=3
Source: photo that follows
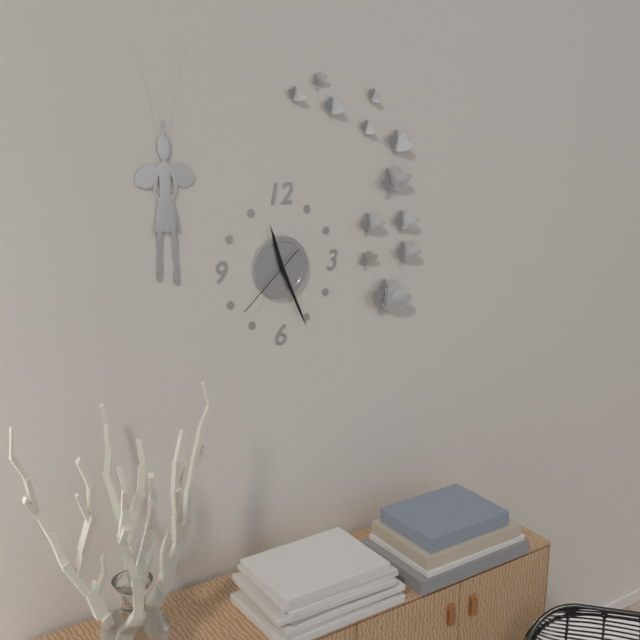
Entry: h=11 m=26 s=38
